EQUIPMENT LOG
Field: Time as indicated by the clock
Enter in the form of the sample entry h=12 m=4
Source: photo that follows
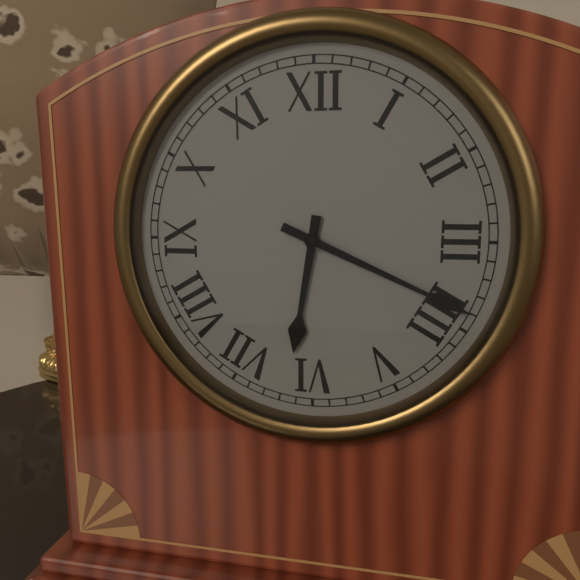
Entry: h=6 m=19
